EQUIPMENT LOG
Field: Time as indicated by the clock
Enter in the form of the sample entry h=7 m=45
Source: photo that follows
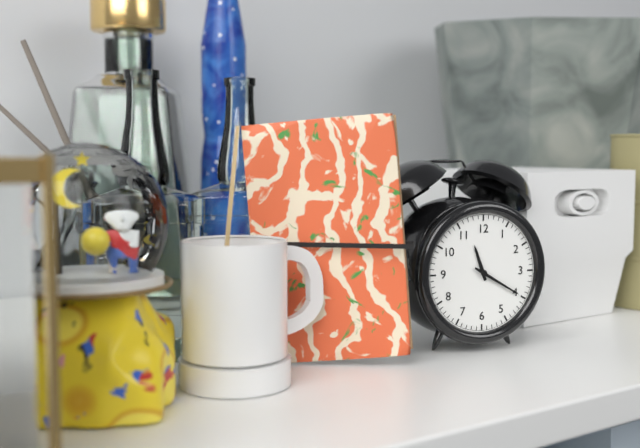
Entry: h=11 m=20
